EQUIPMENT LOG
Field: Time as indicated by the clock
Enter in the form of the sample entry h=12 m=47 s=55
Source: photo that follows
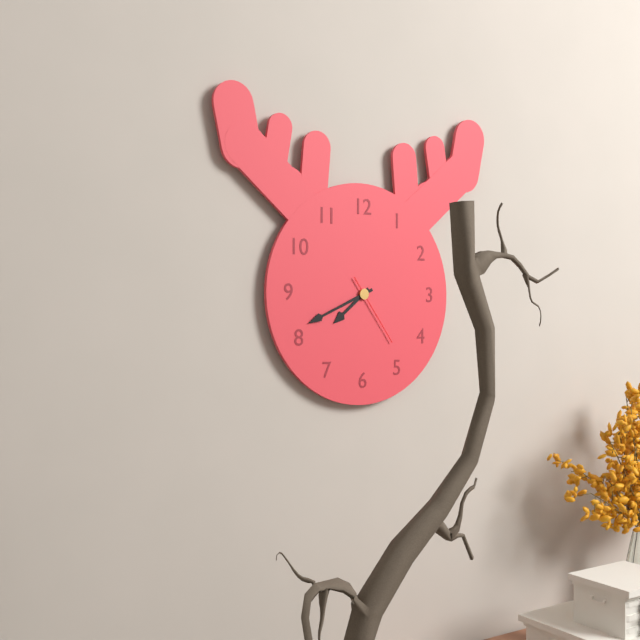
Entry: h=7 m=41 s=24
